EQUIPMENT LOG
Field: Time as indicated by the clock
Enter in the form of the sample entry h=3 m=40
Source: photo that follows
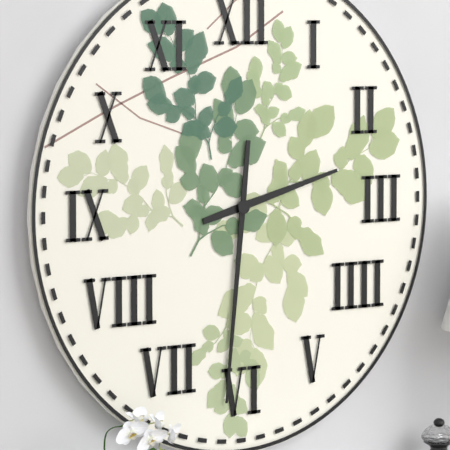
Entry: h=2 m=31
